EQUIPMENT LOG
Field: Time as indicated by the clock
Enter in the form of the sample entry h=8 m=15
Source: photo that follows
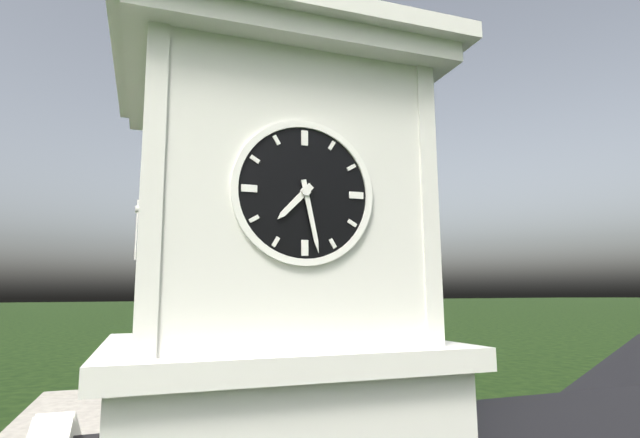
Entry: h=7 m=28
